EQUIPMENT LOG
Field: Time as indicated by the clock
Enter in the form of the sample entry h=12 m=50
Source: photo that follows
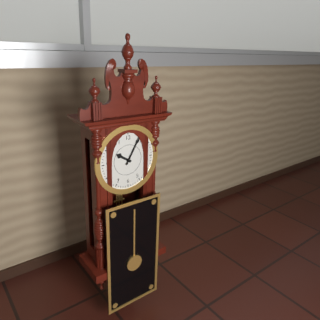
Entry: h=10 m=5
